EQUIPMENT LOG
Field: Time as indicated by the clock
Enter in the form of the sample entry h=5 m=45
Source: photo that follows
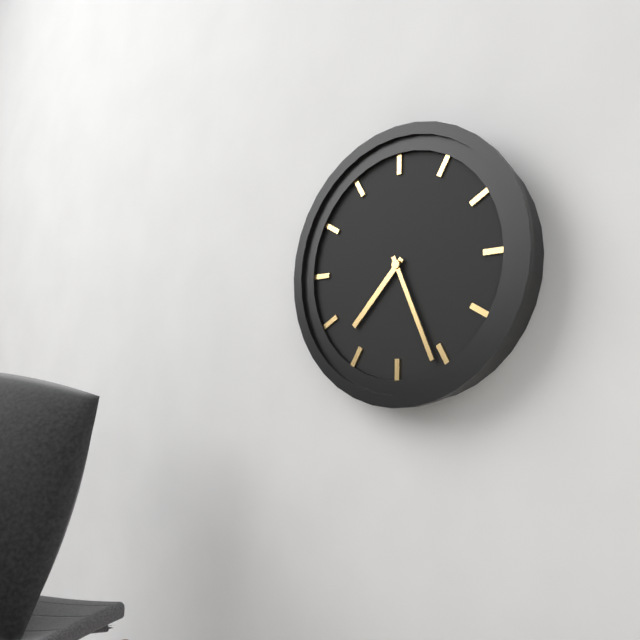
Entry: h=7 m=26
